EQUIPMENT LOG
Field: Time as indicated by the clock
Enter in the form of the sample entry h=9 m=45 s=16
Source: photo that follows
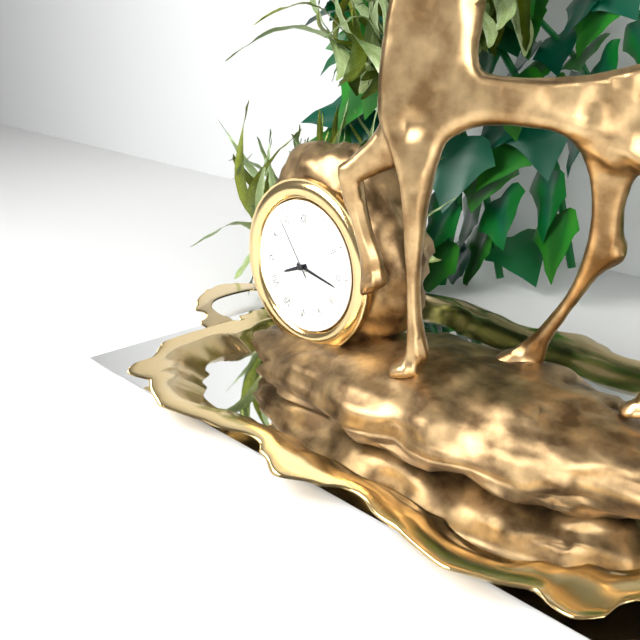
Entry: h=8 m=17 s=54
